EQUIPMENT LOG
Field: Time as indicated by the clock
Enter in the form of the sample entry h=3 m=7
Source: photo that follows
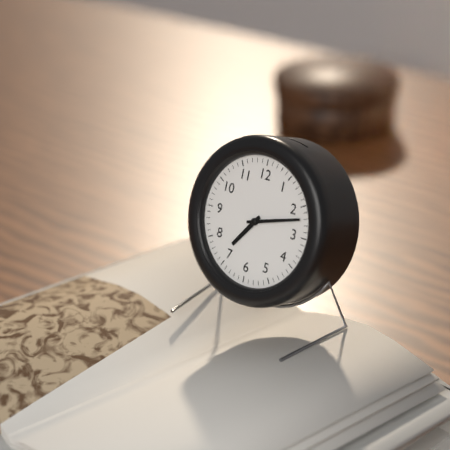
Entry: h=7 m=12
